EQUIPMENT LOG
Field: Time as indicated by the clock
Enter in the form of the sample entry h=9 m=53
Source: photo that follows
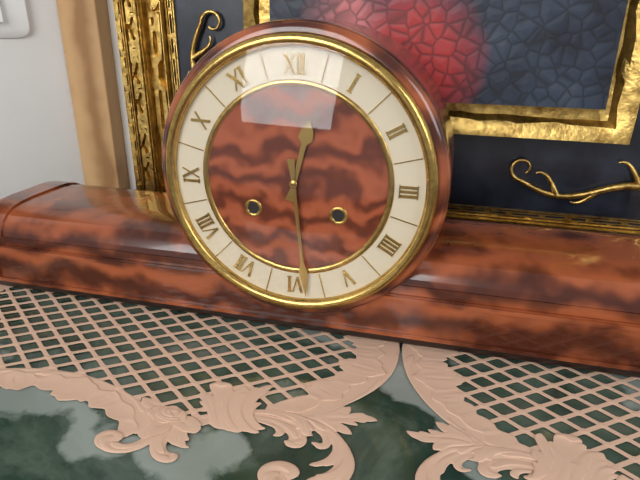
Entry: h=12 m=29
